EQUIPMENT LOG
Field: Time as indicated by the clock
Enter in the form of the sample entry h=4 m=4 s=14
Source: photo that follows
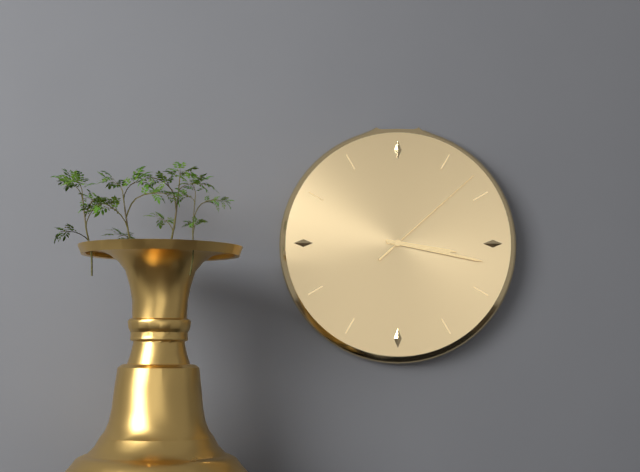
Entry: h=3 m=17 s=8
